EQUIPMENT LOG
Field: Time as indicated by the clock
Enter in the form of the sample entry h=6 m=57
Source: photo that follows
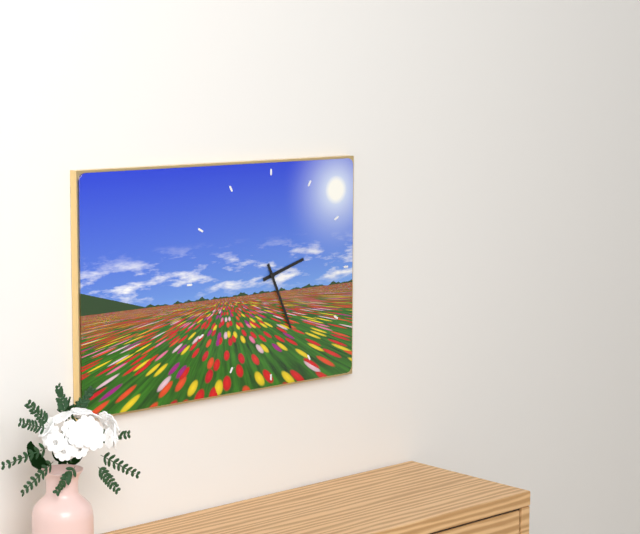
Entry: h=2 m=26
